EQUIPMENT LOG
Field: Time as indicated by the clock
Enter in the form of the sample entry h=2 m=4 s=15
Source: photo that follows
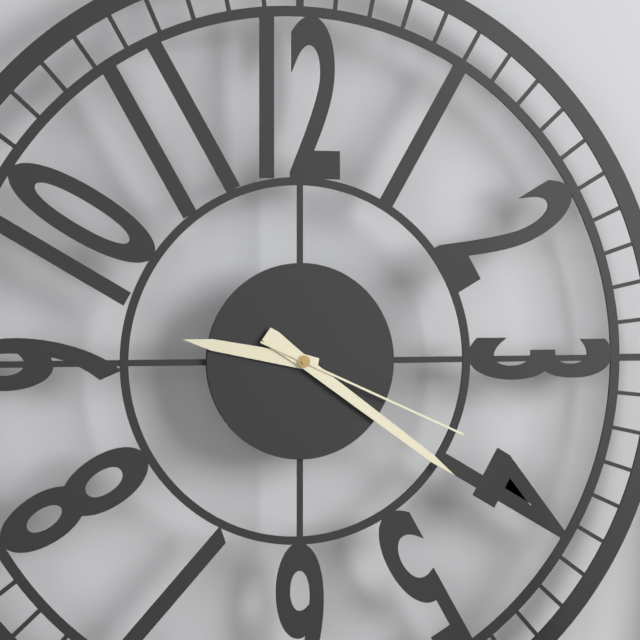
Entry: h=9 m=21 s=19
